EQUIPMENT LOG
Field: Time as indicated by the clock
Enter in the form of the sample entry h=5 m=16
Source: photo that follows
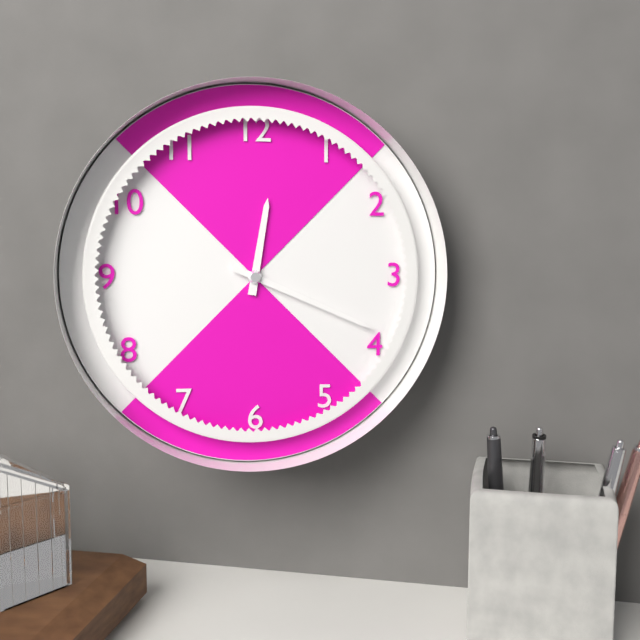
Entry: h=12 m=19
